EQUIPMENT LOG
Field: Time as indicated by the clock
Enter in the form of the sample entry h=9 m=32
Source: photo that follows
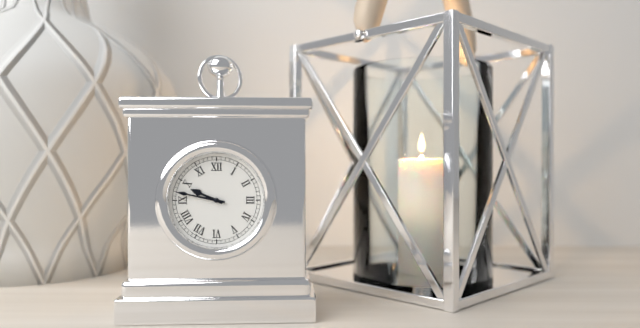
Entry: h=9 m=47
